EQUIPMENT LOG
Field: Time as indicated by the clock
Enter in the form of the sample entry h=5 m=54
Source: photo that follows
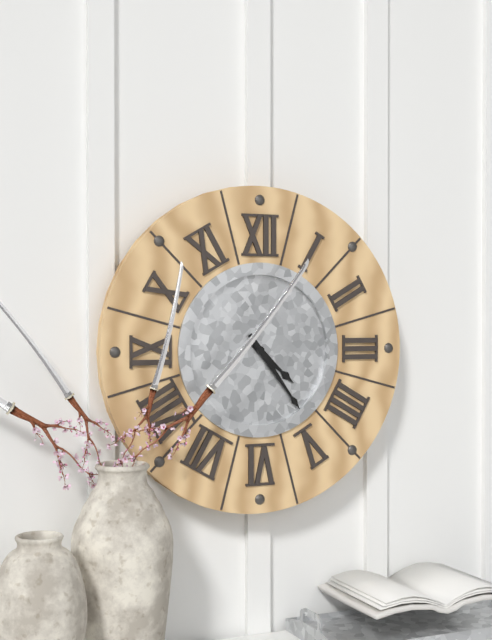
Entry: h=4 m=24
